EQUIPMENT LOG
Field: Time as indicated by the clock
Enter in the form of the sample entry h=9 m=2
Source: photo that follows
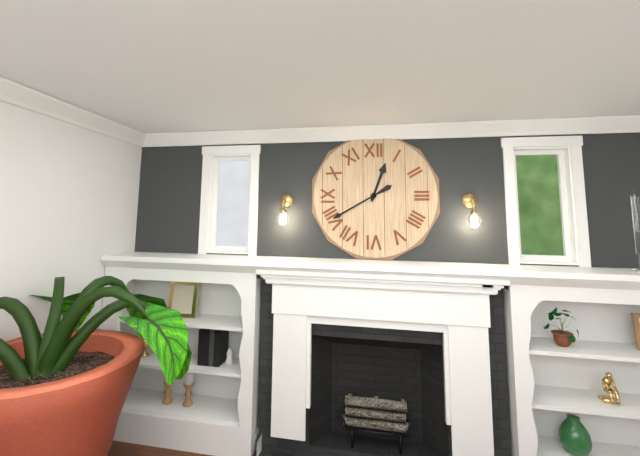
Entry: h=12 m=40
